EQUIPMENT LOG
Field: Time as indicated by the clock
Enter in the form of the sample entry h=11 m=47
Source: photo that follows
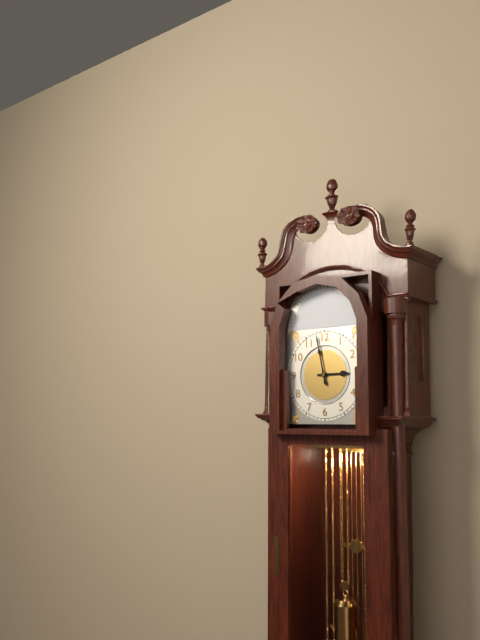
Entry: h=2 m=58
